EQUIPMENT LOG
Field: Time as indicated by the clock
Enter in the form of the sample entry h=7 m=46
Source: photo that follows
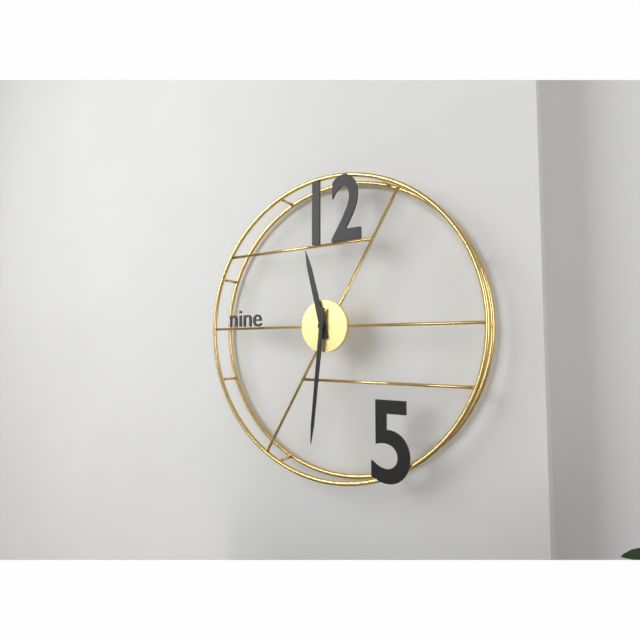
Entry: h=11 m=31
